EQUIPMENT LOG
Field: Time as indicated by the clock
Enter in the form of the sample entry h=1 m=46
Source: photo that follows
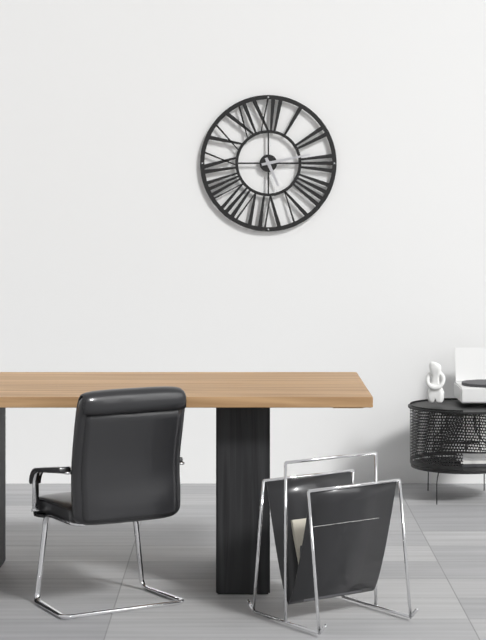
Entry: h=5 m=13
